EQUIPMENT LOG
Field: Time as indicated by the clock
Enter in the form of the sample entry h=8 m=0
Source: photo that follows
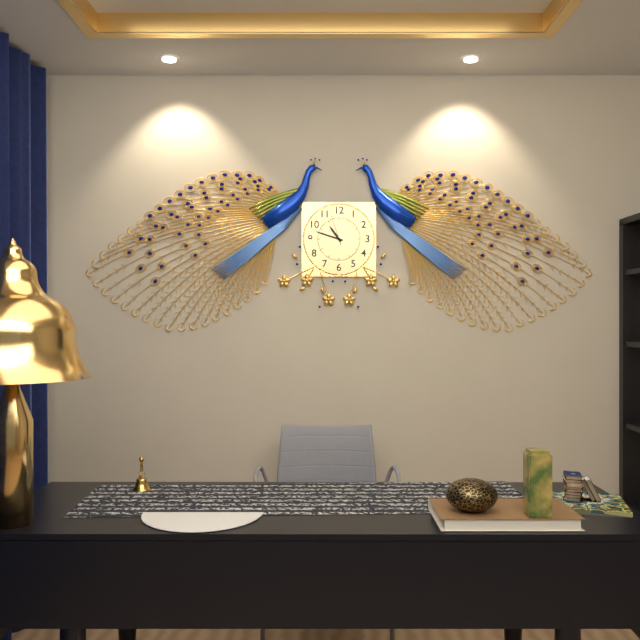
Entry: h=10 m=48
